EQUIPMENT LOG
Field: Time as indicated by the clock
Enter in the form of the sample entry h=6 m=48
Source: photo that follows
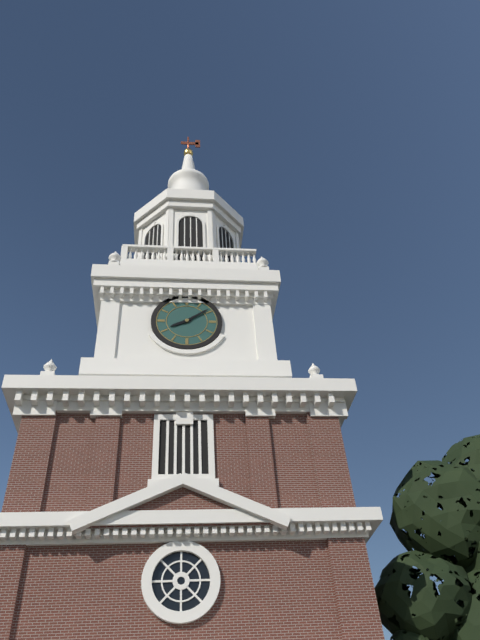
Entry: h=8 m=9
